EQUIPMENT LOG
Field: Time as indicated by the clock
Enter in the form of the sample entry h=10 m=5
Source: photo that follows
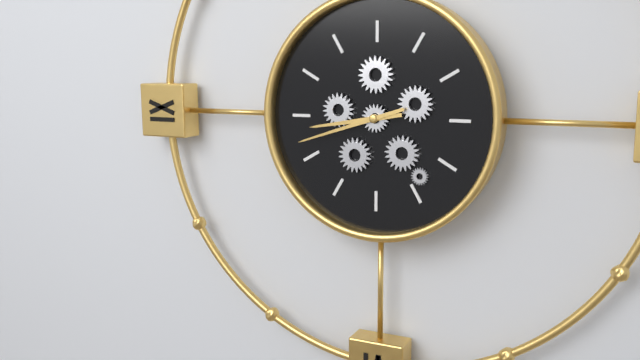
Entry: h=8 m=42
